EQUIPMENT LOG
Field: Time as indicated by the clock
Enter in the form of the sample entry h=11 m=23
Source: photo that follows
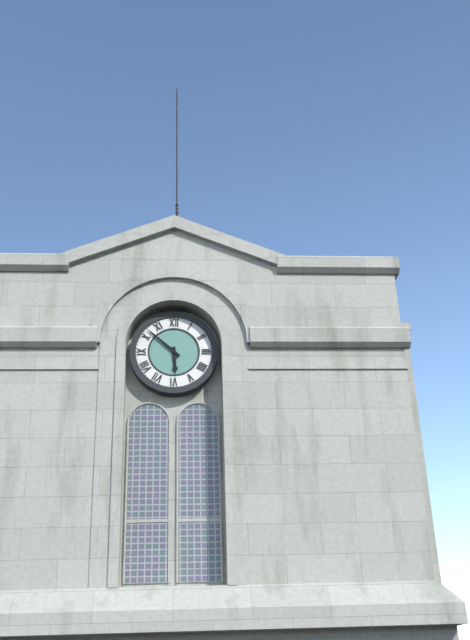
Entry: h=5 m=52
